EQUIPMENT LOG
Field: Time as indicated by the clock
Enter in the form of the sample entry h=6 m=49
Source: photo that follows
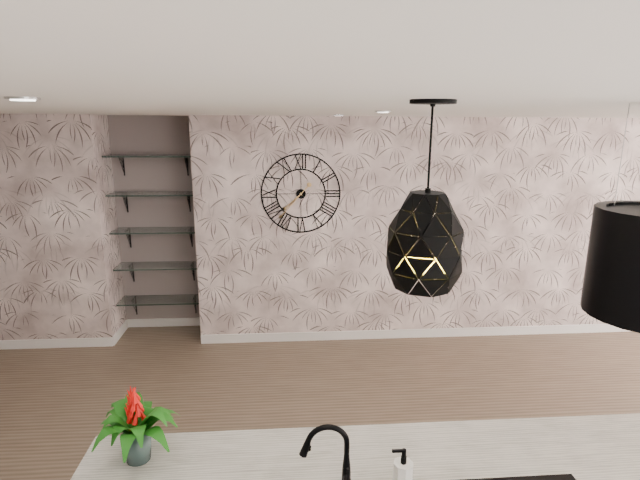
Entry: h=7 m=37
